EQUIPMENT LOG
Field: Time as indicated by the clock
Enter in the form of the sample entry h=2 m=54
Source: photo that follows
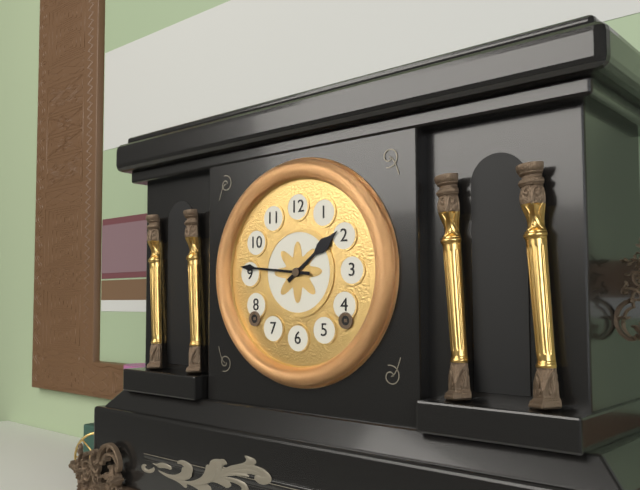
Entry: h=1 m=46
